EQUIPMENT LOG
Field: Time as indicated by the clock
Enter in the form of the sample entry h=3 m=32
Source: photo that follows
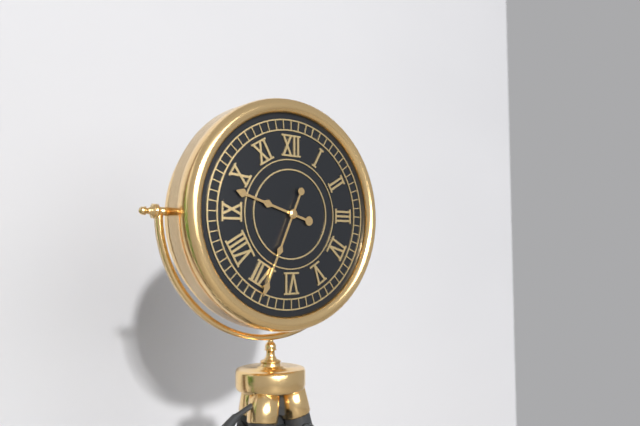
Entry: h=9 m=34
